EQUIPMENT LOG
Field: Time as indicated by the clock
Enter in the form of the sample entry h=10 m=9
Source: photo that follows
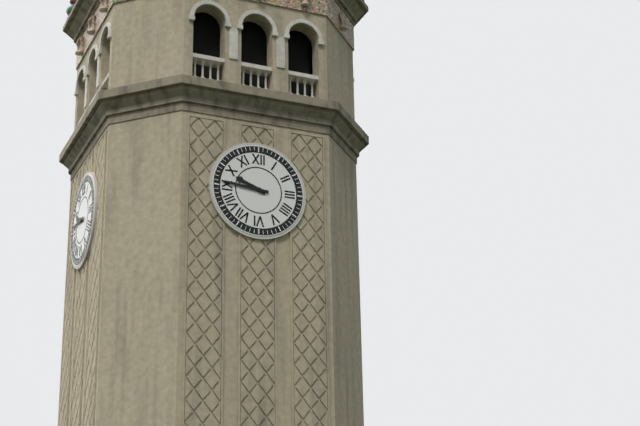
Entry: h=9 m=46
